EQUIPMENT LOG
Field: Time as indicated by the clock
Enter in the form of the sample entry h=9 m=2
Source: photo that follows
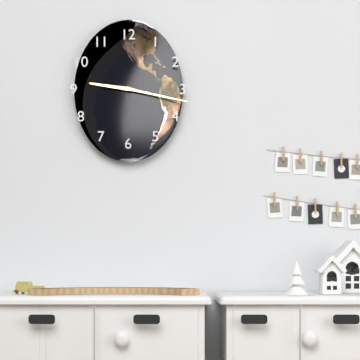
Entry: h=9 m=17
